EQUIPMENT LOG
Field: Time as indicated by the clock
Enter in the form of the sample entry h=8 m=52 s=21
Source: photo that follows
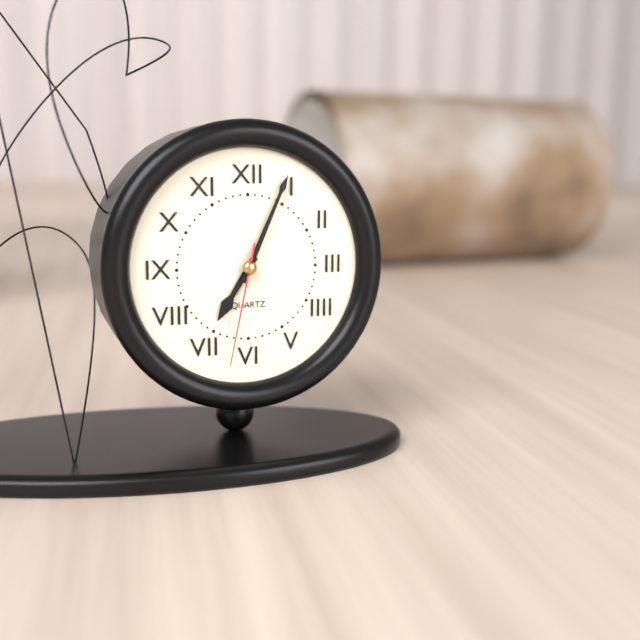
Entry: h=7 m=4 s=32
